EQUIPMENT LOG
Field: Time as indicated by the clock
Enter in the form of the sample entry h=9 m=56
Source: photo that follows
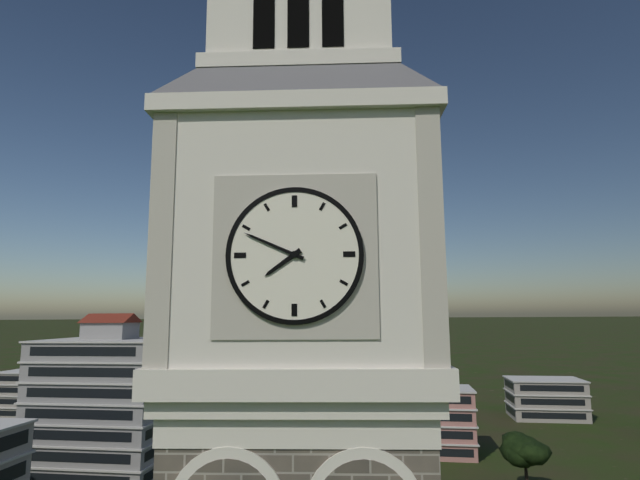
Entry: h=7 m=49
